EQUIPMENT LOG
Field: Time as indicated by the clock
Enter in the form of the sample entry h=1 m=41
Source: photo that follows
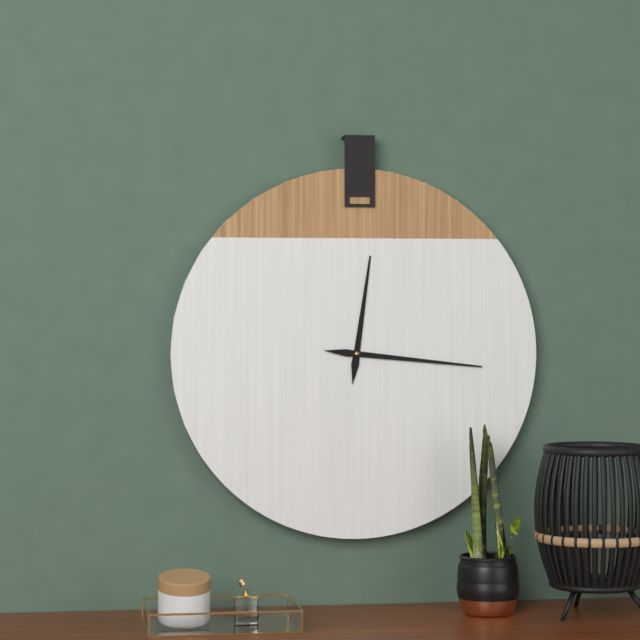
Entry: h=12 m=16
